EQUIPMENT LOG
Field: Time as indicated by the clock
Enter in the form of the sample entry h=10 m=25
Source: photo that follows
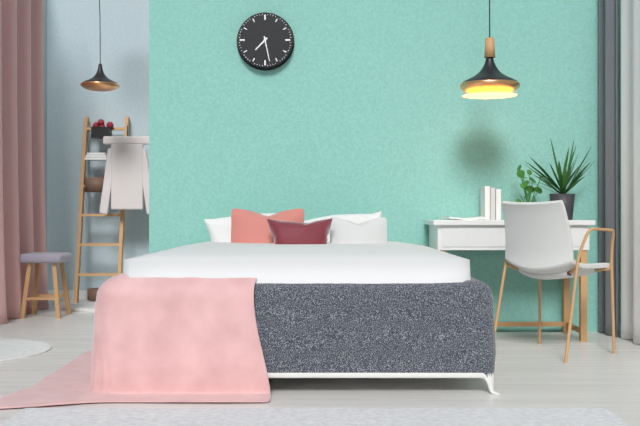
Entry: h=7 m=28
